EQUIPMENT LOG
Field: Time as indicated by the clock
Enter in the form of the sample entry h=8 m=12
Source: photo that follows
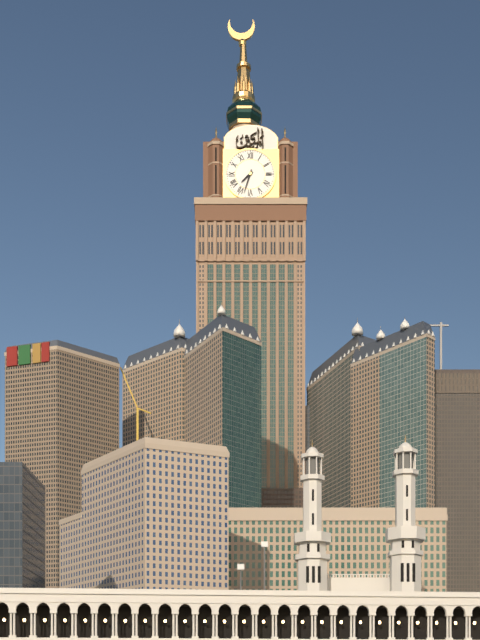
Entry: h=7 m=33
